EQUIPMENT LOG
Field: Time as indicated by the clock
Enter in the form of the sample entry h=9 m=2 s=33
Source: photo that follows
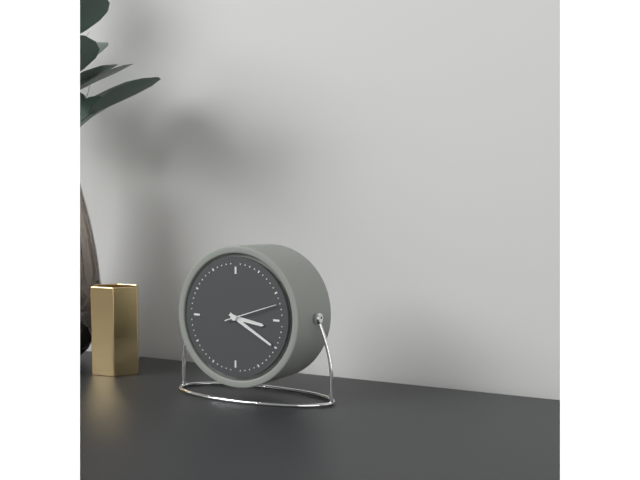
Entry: h=3 m=20 s=12
